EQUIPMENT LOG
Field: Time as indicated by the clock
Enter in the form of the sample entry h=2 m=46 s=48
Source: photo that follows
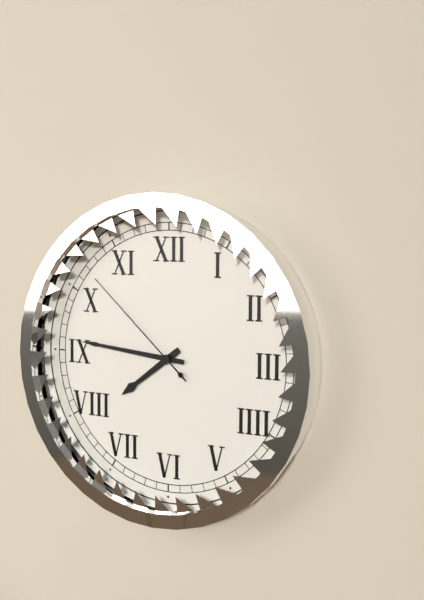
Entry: h=7 m=46 s=52
